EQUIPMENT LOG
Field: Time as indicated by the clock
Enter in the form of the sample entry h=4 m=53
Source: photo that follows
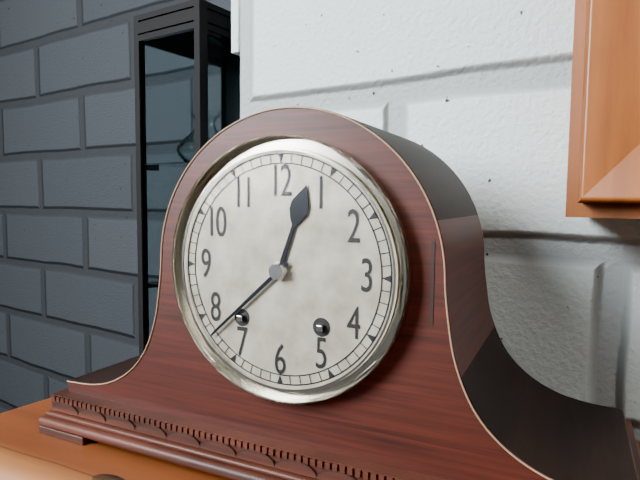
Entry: h=12 m=38
